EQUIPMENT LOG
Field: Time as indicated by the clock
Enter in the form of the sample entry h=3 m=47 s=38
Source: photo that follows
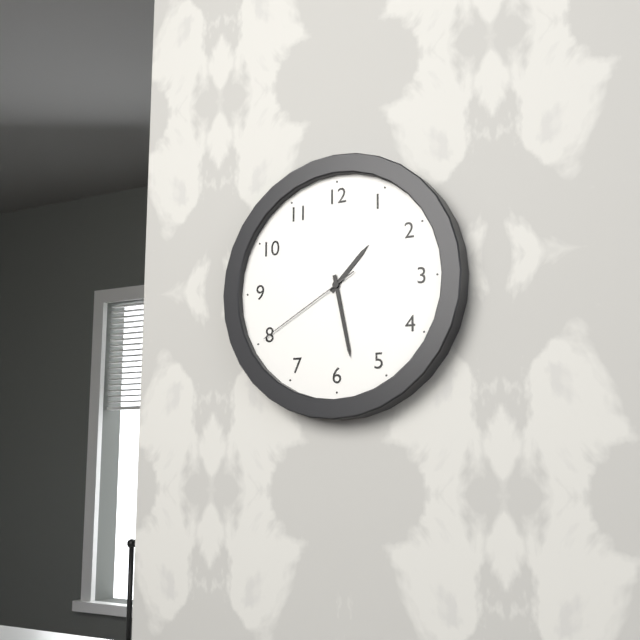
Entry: h=1 m=28 s=40
